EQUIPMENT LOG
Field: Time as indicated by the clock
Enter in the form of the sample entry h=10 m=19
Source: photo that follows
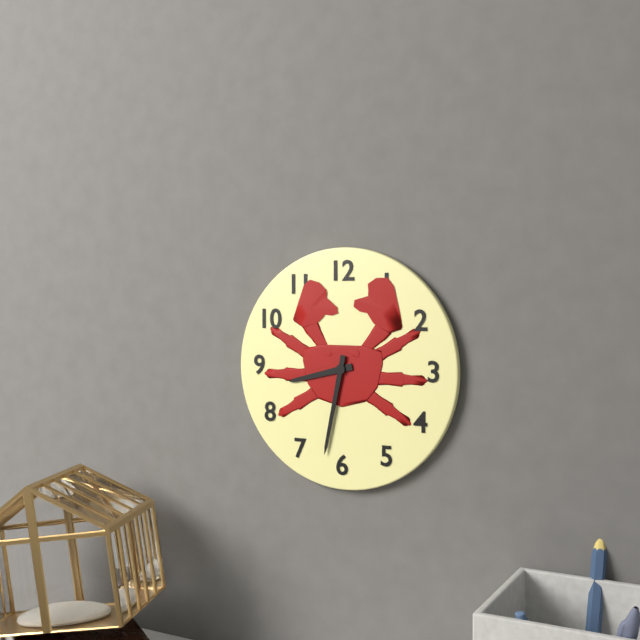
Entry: h=8 m=32
